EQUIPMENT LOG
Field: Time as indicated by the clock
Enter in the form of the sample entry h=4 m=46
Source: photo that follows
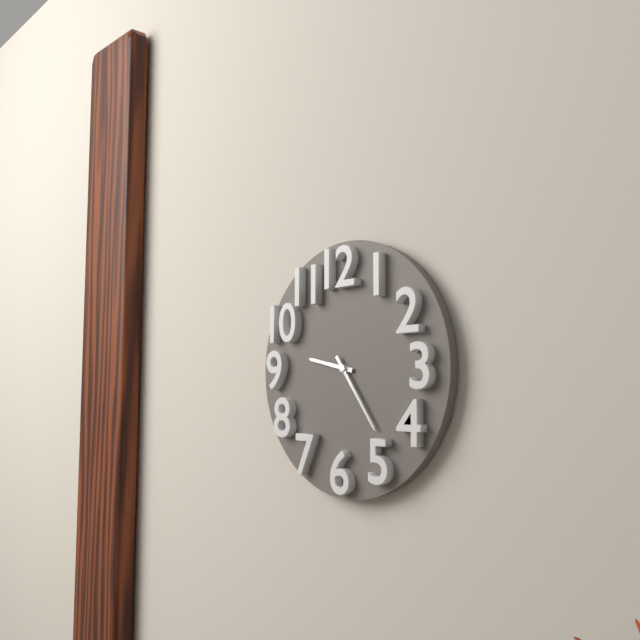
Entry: h=9 m=24
